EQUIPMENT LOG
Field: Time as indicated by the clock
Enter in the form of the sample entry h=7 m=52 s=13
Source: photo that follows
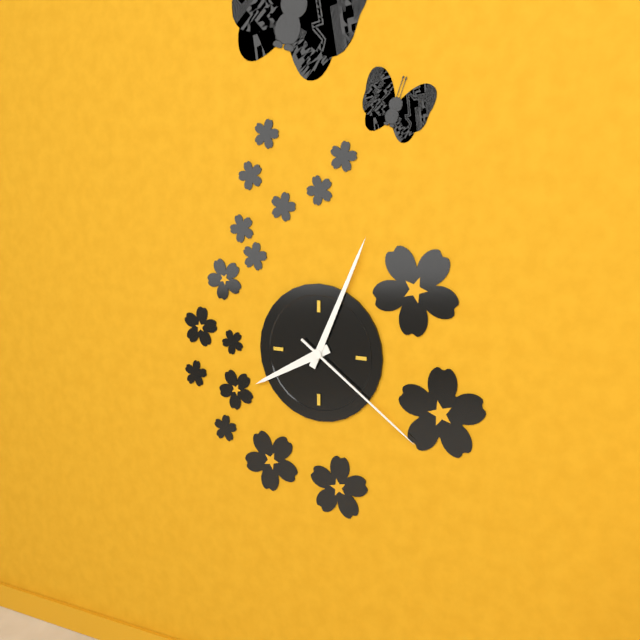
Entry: h=8 m=4 s=21
